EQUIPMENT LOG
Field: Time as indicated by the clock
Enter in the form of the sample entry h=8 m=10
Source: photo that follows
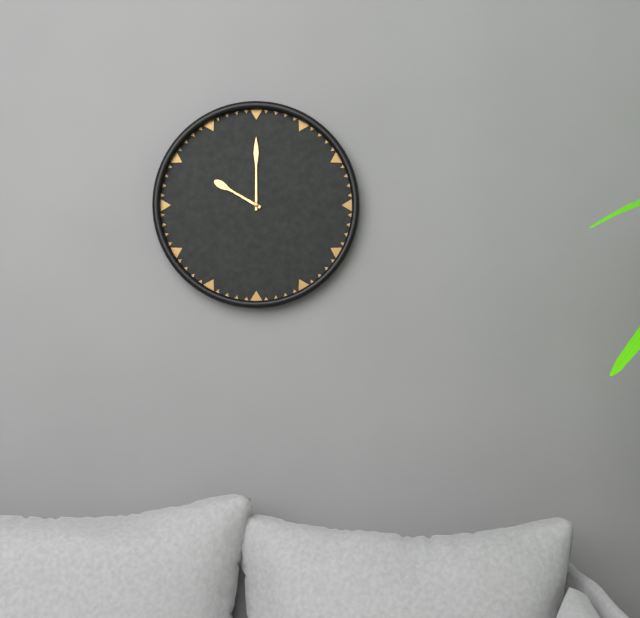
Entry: h=10 m=0
